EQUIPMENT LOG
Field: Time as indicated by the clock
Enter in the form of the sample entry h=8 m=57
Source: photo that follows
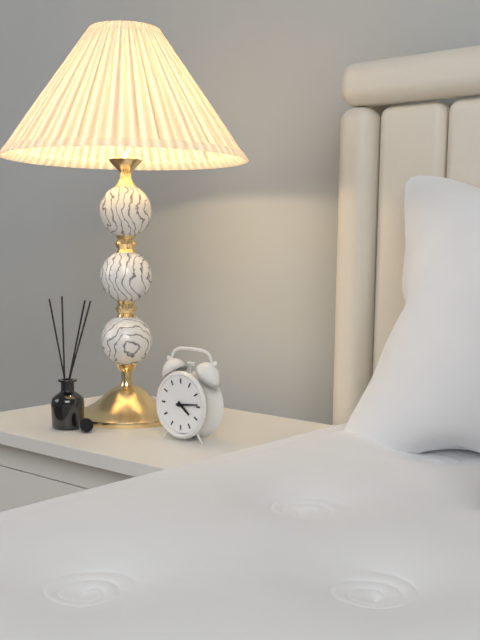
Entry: h=4 m=14
